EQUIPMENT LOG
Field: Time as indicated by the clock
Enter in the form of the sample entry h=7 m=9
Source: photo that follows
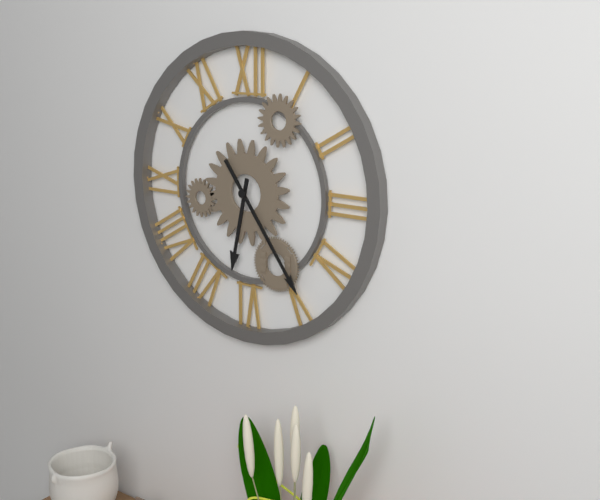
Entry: h=6 m=24
